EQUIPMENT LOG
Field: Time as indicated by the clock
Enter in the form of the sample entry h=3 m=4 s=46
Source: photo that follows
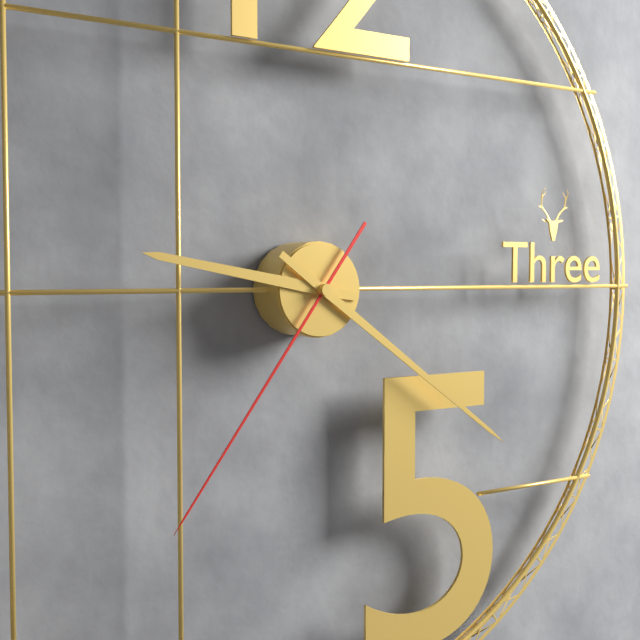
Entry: h=9 m=21 s=36
